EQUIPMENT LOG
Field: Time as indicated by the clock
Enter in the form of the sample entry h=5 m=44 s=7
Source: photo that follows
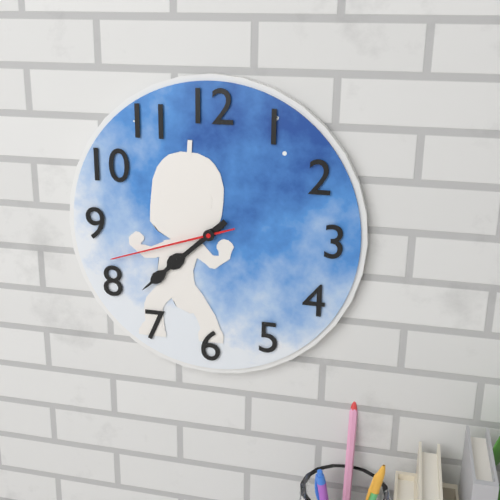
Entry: h=7 m=38 s=42
